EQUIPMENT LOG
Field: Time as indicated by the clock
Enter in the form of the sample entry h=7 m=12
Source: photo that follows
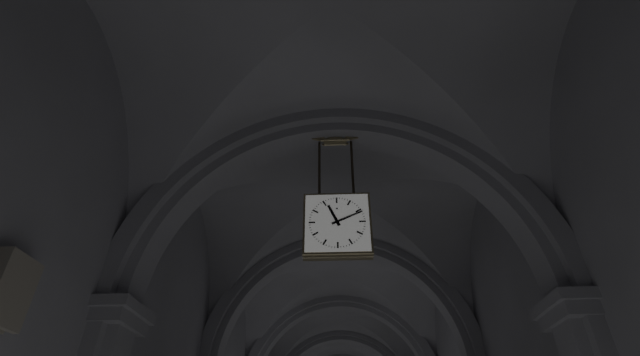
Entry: h=11 m=11
